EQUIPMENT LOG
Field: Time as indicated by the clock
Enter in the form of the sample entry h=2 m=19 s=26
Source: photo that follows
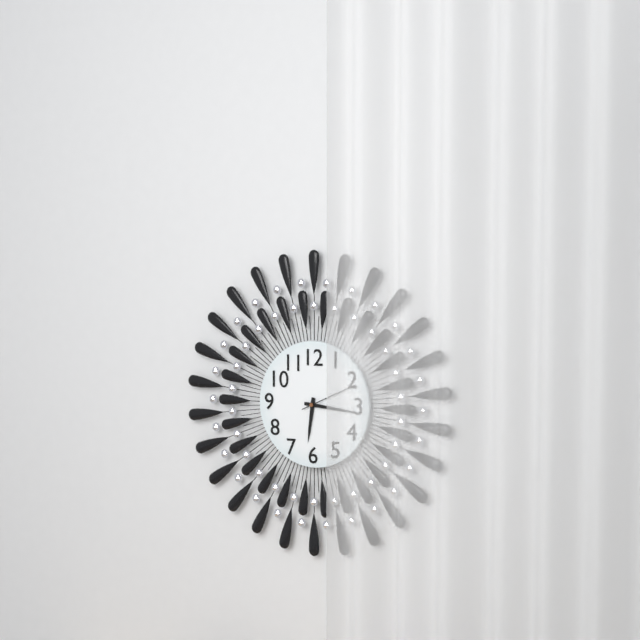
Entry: h=6 m=16 s=11
